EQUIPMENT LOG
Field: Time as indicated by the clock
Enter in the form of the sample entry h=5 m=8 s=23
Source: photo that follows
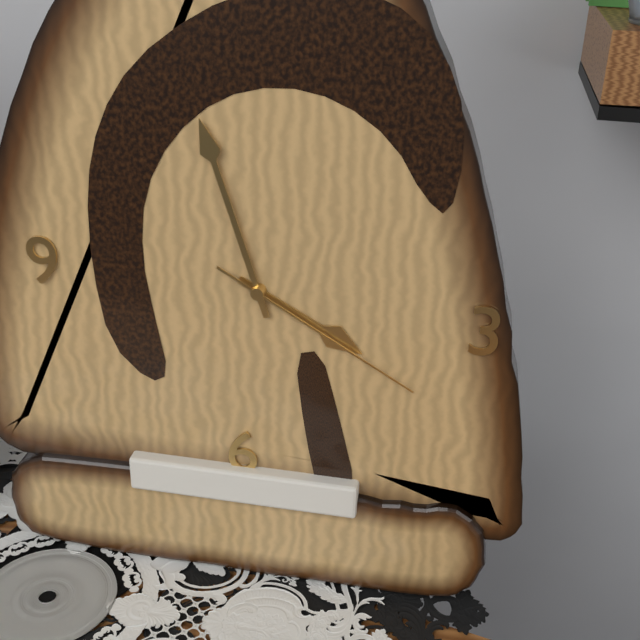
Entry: h=3 m=57 s=20
